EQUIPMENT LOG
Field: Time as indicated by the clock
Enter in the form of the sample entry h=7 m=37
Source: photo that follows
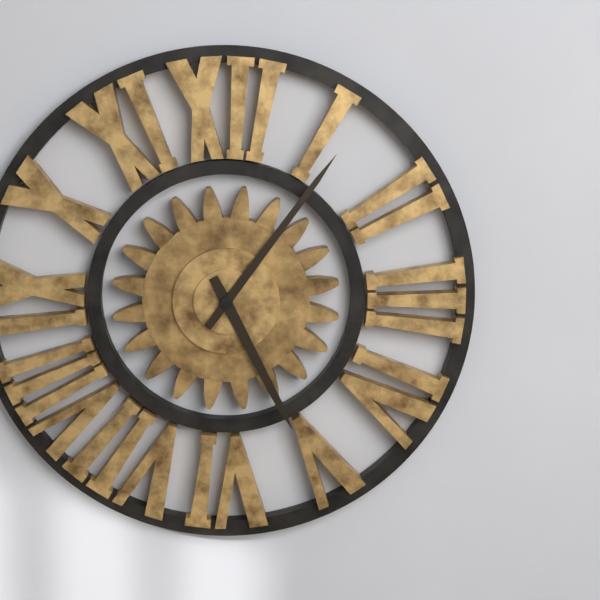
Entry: h=5 m=6
